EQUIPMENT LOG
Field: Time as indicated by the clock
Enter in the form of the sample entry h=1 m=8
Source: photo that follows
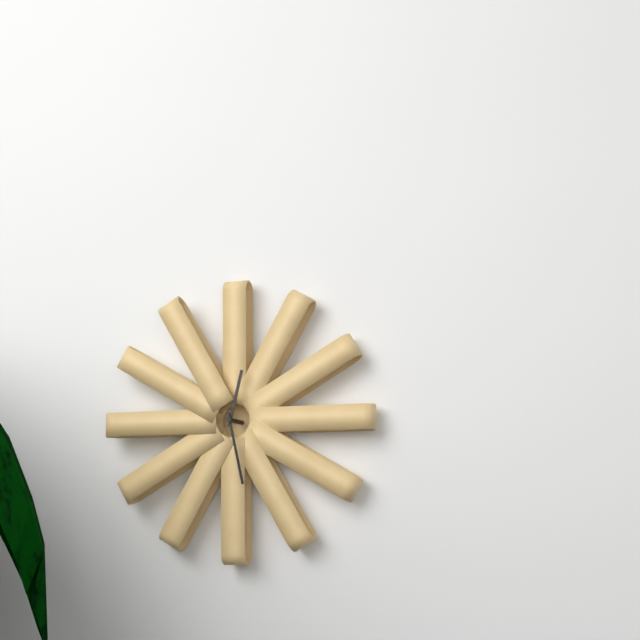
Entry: h=12 m=28
